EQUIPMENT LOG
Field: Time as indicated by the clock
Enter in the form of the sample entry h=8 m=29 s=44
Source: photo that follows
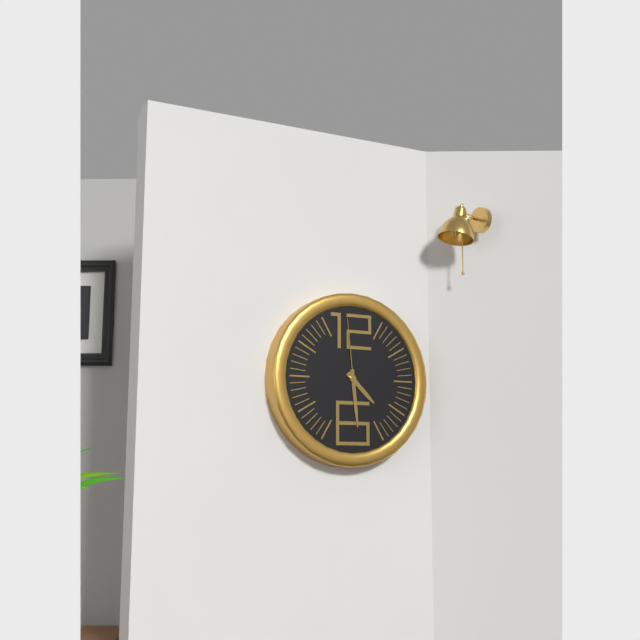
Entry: h=4 m=29 s=59
